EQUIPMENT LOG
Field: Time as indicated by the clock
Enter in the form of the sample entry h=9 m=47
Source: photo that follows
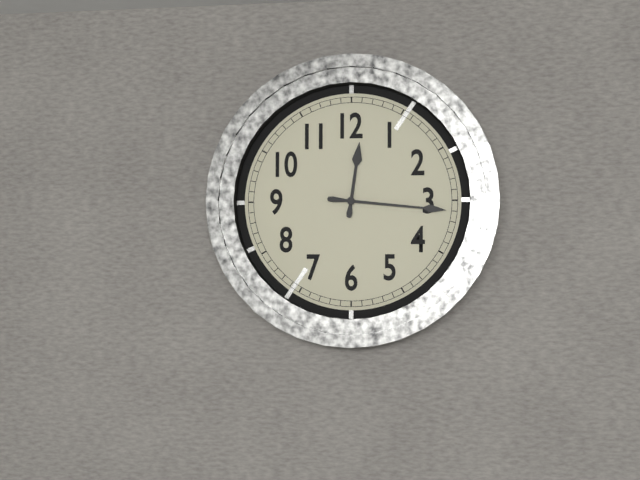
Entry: h=12 m=16
